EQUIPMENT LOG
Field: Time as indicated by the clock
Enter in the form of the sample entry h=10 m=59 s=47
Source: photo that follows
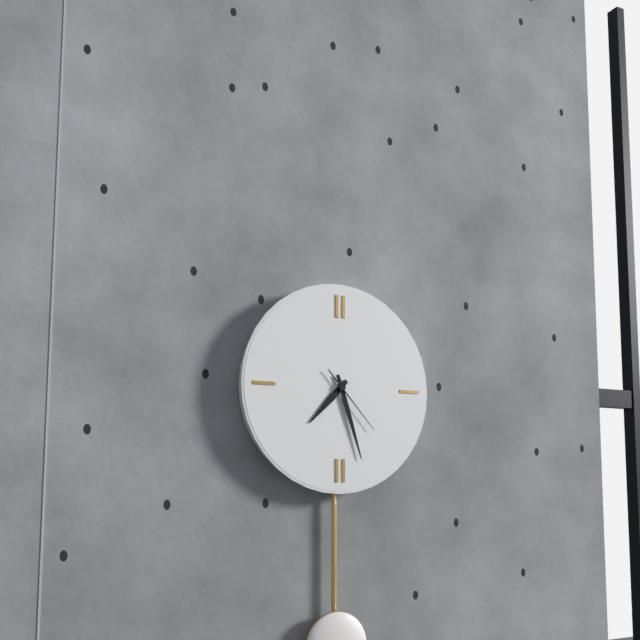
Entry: h=7 m=27 s=23
